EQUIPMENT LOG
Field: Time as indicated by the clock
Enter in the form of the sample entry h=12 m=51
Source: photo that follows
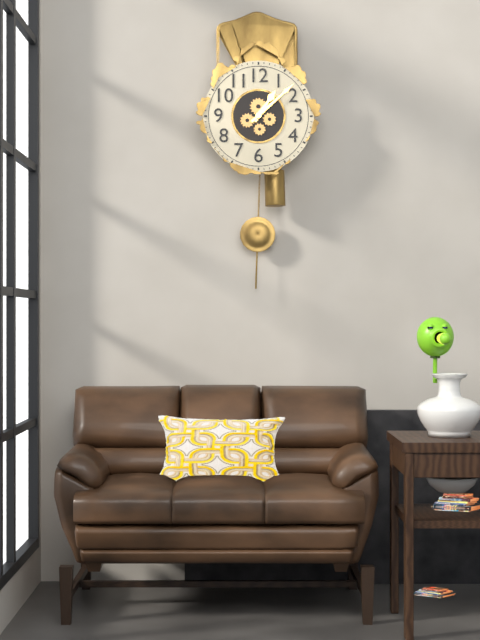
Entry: h=1 m=8
